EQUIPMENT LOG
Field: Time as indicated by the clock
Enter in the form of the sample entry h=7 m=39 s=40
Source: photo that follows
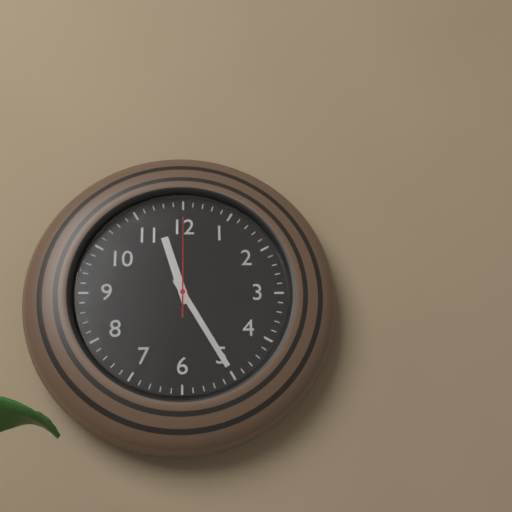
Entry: h=11 m=25 s=0
